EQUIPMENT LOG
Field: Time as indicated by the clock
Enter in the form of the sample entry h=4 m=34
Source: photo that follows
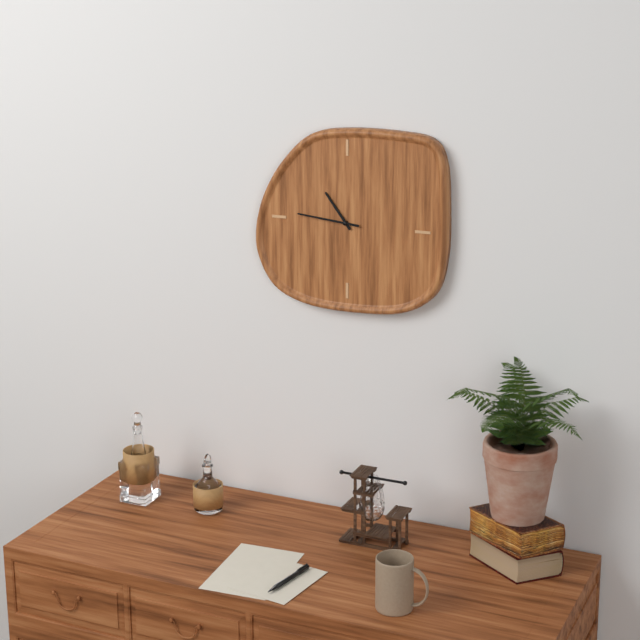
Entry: h=10 m=46
